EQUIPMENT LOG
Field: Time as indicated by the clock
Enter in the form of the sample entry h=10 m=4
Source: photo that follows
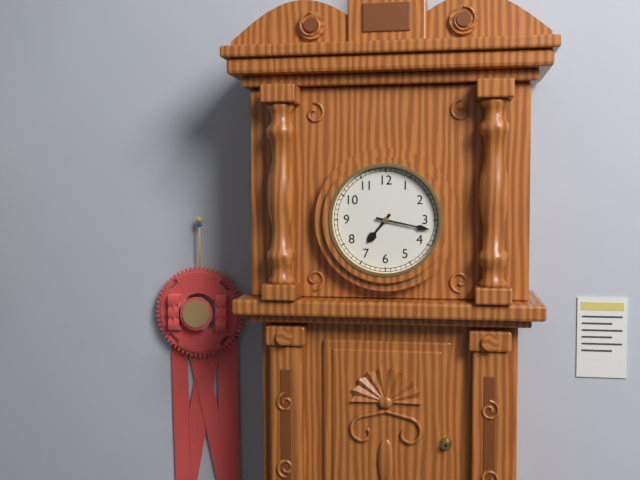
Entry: h=7 m=17
